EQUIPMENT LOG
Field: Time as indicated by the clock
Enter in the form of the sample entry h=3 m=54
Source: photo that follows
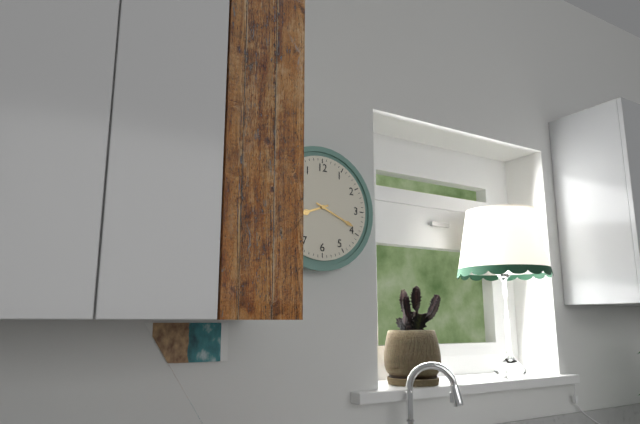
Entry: h=8 m=19
